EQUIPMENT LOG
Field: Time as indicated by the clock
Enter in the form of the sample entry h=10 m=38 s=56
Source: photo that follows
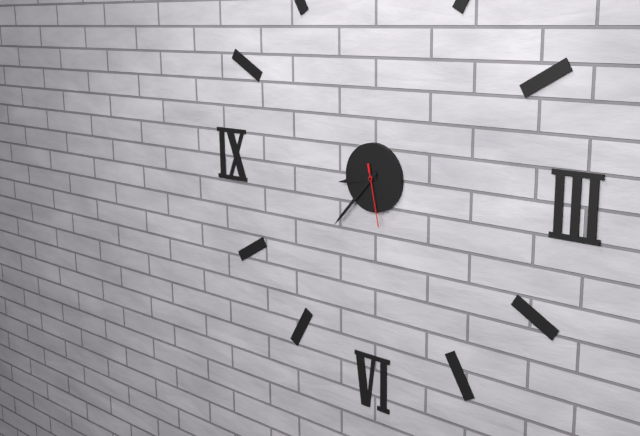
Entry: h=8 m=37 s=28
